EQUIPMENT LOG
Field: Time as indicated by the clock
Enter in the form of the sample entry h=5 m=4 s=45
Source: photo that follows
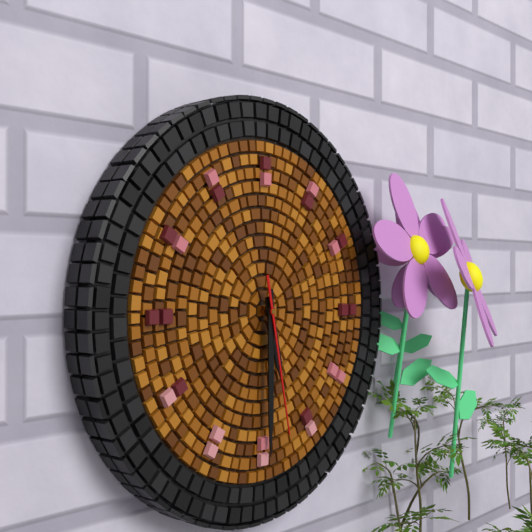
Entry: h=5 m=30 s=28
